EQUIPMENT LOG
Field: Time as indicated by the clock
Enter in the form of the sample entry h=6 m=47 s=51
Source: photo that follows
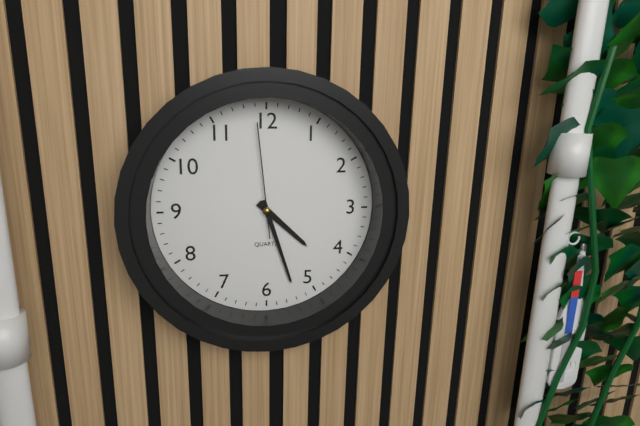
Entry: h=4 m=27 s=59
